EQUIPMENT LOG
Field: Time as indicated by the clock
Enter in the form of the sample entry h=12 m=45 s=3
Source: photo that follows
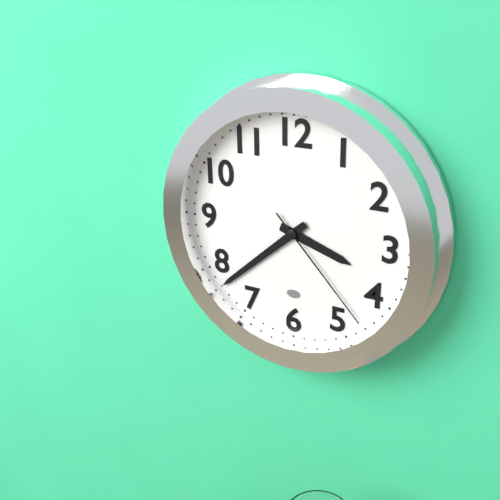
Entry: h=3 m=38 s=23
